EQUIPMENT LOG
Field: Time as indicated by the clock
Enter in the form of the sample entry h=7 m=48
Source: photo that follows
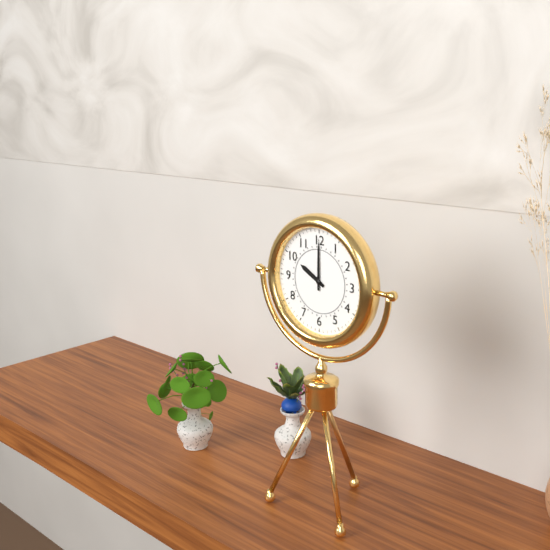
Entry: h=10 m=0
